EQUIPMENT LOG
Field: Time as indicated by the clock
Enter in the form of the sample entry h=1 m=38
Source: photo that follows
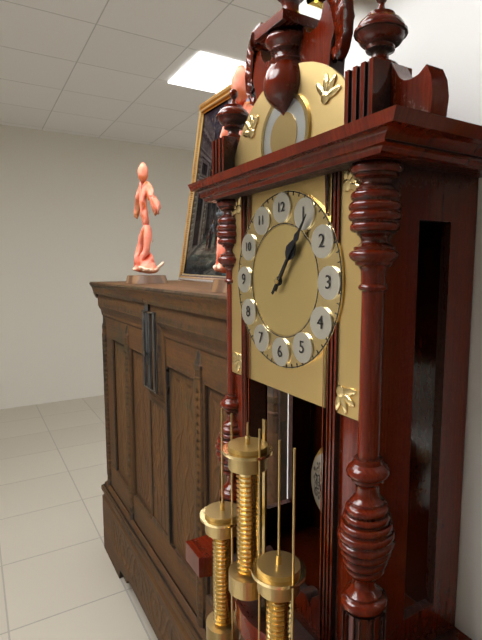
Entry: h=1 m=6
